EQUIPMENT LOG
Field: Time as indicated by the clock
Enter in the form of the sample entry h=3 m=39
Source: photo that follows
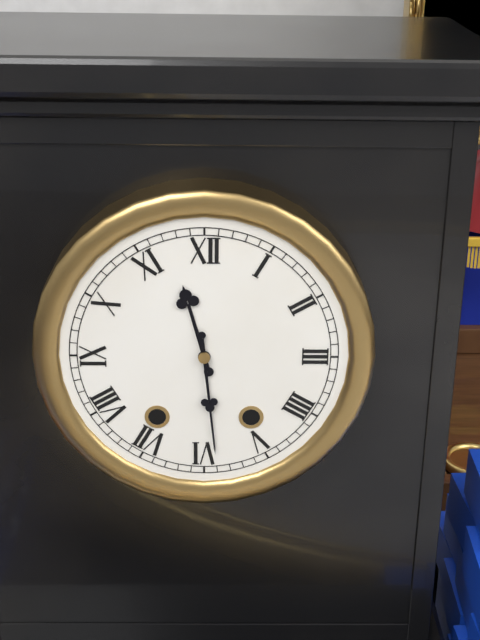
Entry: h=11 m=29
